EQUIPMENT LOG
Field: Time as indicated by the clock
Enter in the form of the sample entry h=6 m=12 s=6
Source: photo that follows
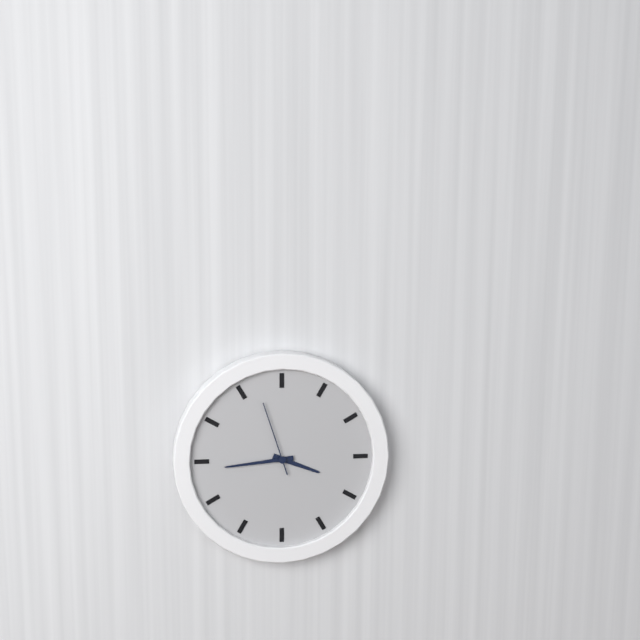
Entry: h=3 m=44 s=57
